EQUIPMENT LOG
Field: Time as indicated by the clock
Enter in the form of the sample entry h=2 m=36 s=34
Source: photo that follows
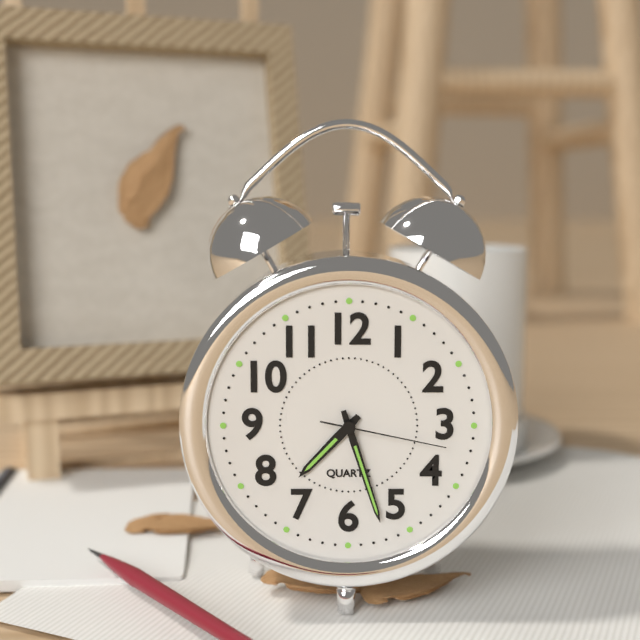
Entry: h=7 m=27 s=17
